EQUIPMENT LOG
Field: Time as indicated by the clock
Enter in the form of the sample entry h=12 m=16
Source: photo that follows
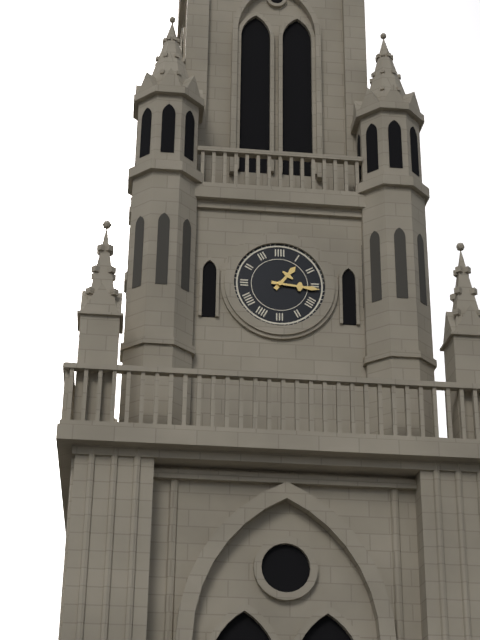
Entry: h=1 m=16
